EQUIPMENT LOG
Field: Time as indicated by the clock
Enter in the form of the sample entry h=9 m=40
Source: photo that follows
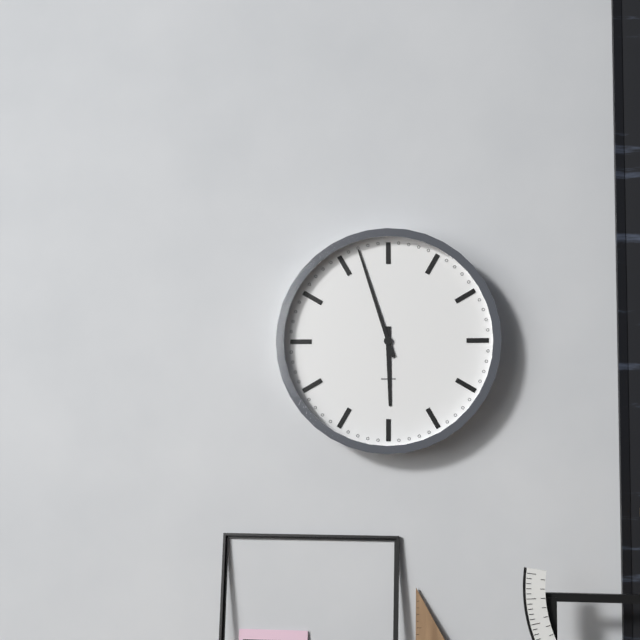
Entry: h=5 m=57
